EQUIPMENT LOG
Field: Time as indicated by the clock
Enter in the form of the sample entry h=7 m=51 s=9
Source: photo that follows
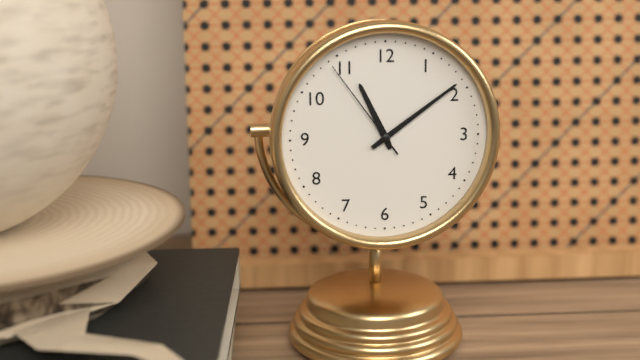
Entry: h=11 m=9 s=54
